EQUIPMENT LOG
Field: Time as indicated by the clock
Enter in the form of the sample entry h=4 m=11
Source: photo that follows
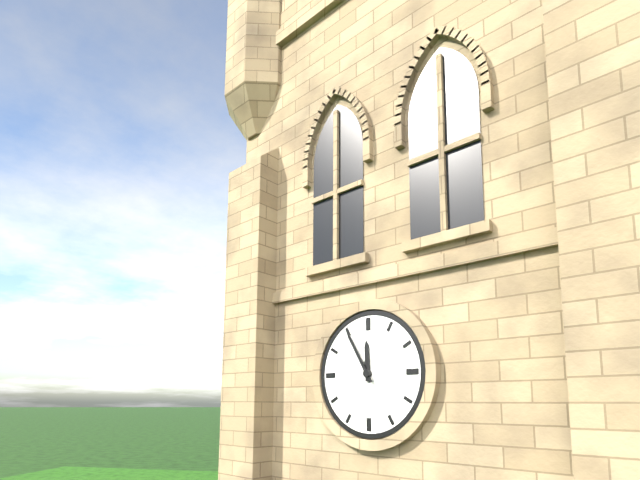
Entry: h=11 m=55
